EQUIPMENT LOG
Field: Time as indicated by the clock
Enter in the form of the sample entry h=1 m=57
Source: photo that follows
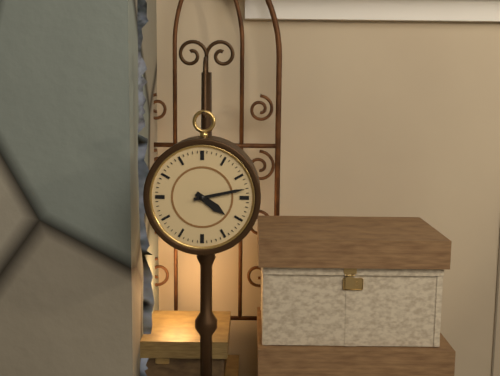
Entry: h=4 m=13
